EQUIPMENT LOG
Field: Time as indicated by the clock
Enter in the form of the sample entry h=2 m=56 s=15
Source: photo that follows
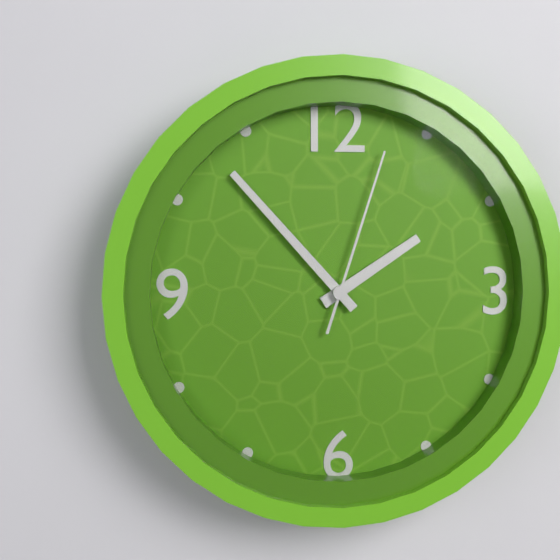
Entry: h=1 m=53 s=3
